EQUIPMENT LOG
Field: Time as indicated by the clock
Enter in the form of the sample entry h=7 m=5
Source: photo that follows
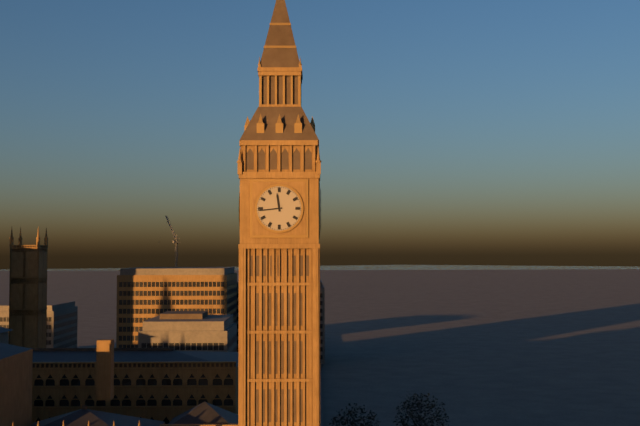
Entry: h=11 m=44
